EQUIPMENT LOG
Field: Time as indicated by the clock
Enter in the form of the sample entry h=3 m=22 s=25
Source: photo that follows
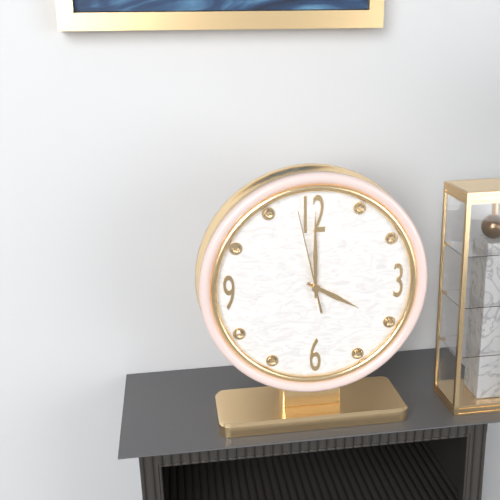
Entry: h=4 m=0 s=58
